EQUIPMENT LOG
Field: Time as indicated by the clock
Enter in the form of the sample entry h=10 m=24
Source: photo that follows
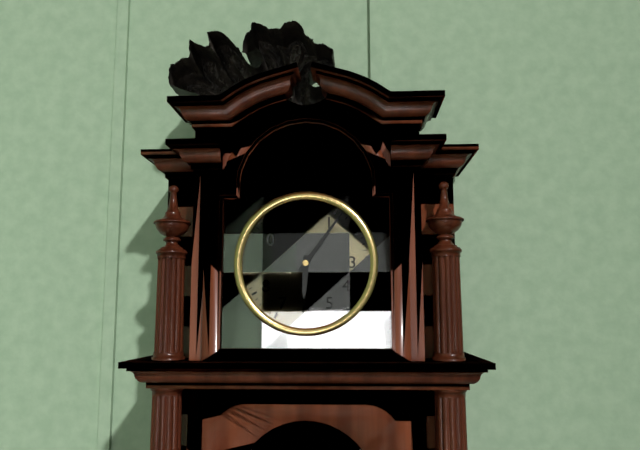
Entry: h=6 m=6
